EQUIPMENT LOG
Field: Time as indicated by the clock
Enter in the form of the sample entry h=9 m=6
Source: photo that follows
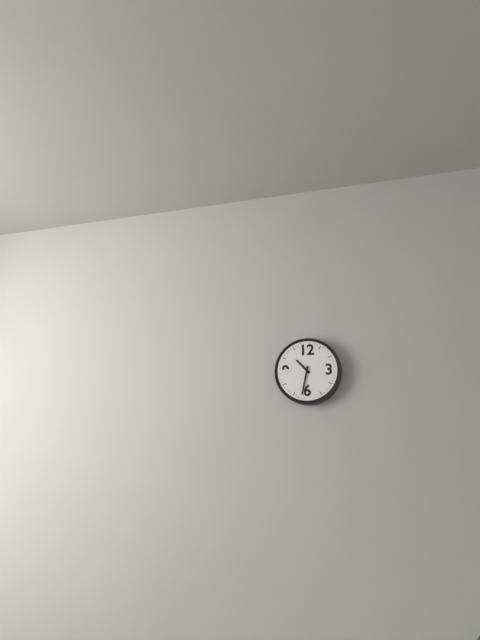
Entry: h=10 m=32
